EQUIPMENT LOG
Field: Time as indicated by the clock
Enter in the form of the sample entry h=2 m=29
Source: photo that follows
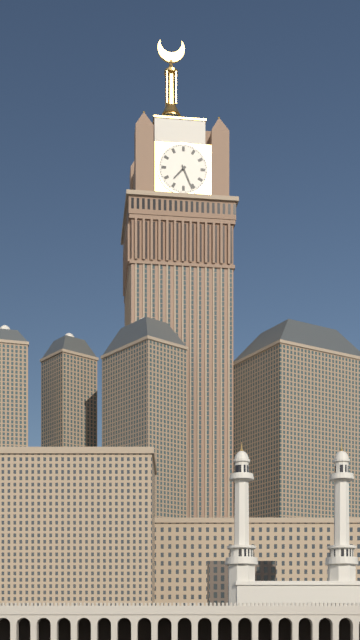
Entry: h=7 m=26
